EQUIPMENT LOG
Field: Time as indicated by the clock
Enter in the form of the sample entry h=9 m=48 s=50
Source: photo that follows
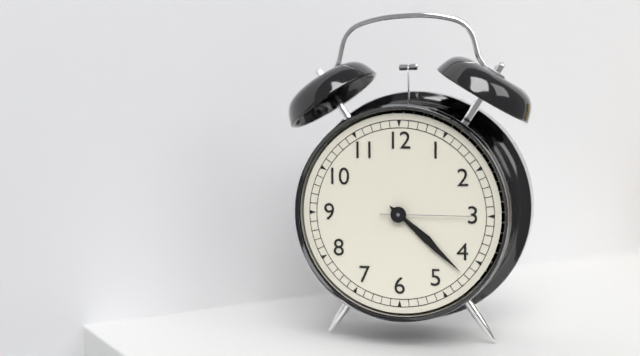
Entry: h=4 m=22 s=15
